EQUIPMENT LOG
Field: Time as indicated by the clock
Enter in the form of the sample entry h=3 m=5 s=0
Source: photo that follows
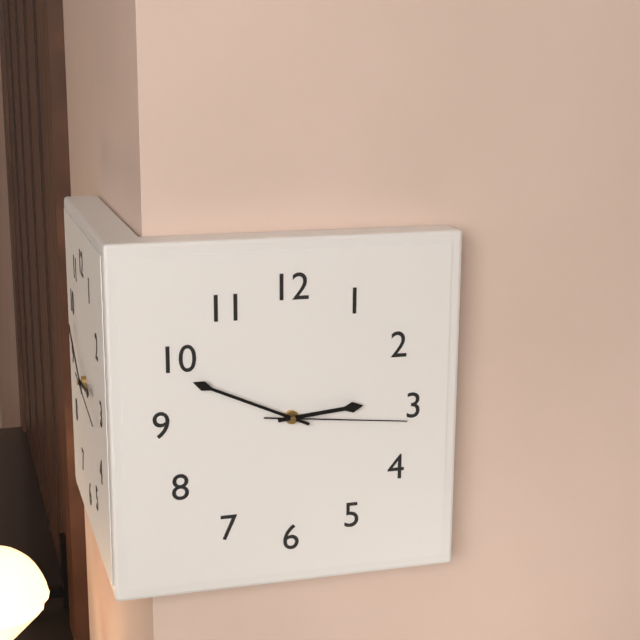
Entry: h=2 m=49 s=16
